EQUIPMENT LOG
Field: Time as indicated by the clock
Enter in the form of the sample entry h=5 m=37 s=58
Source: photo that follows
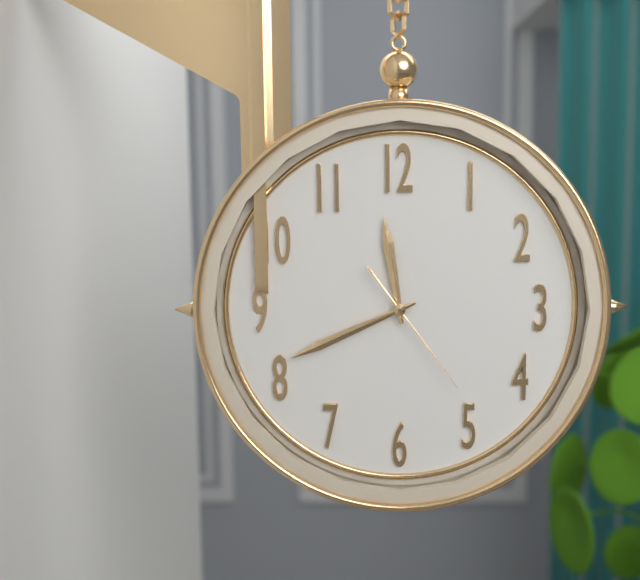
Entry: h=11 m=41 s=24
